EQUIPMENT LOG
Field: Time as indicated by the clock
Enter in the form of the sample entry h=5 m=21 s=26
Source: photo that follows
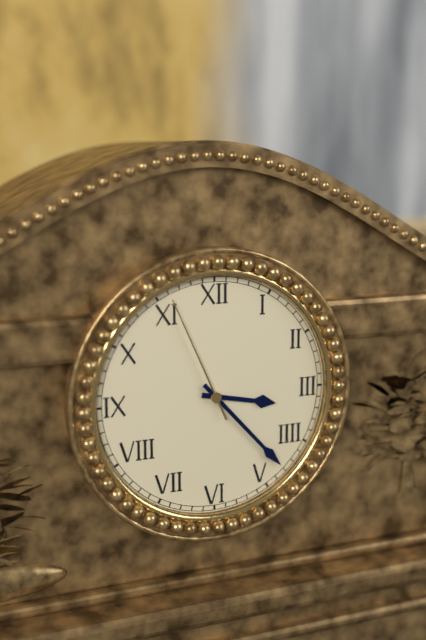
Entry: h=3 m=23 s=56
